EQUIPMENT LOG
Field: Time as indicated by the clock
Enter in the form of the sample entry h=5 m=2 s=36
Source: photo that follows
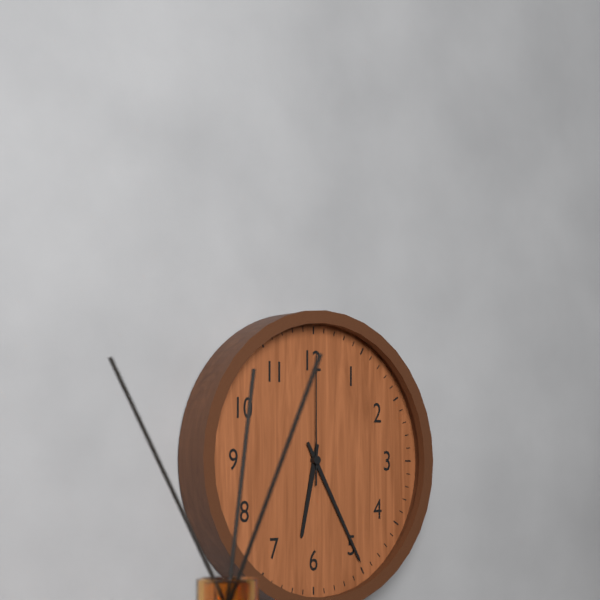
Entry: h=6 m=25 s=0
